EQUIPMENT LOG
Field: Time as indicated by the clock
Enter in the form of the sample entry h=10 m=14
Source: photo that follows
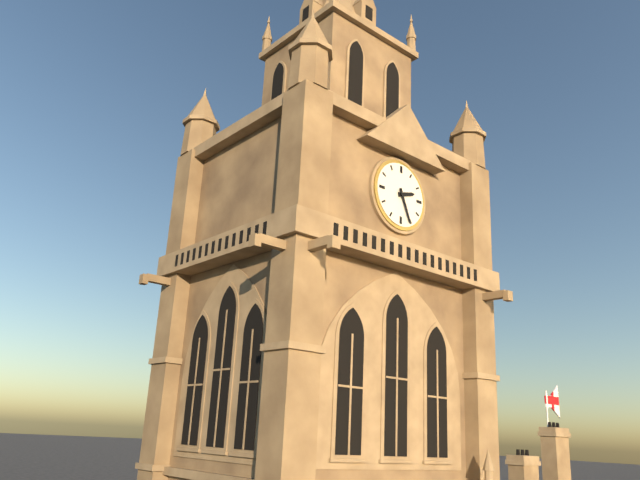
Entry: h=2 m=26
